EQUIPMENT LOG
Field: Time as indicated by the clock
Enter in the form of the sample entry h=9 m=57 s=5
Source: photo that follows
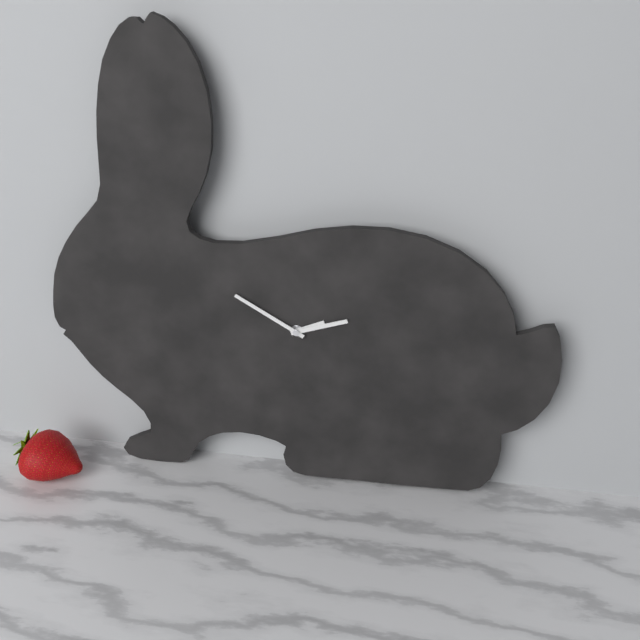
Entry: h=2 m=12 s=50
